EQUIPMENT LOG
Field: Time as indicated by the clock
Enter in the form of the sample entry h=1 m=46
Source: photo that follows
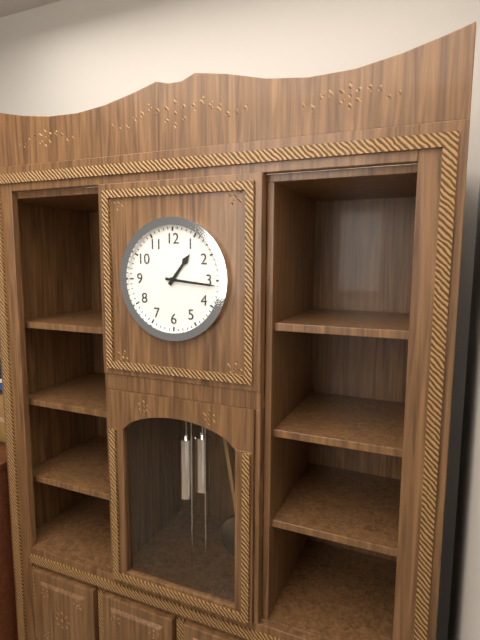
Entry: h=1 m=16
